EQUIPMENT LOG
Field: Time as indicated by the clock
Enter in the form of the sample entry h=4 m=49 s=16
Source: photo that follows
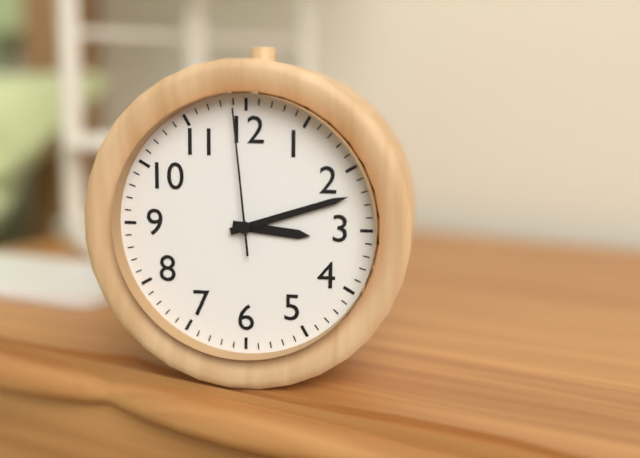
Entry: h=3 m=12 s=59
